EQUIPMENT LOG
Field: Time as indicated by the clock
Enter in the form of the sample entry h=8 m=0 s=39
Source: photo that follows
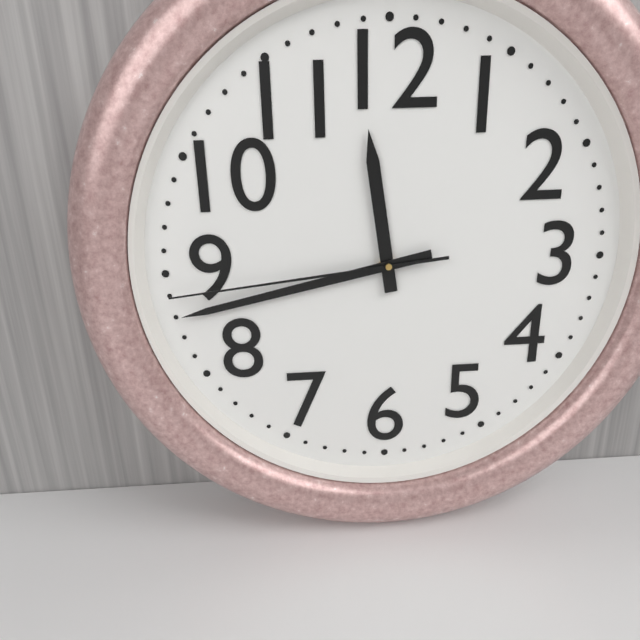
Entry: h=11 m=43 s=44
